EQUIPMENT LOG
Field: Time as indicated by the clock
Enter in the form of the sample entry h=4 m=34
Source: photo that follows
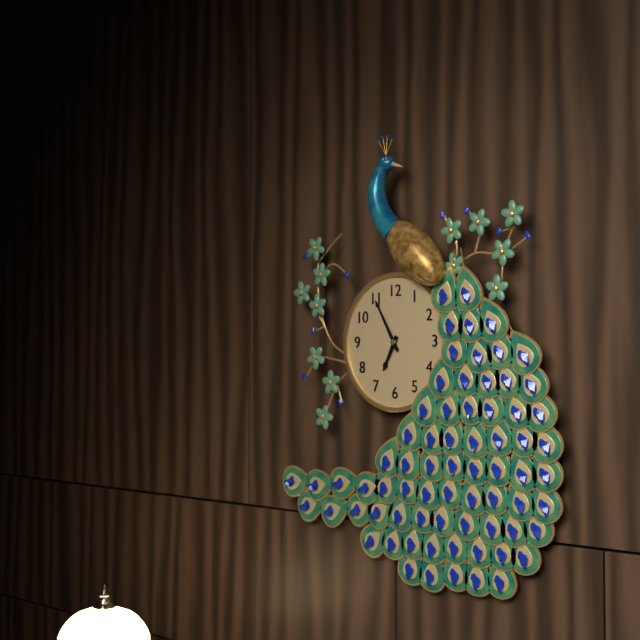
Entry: h=6 m=55
